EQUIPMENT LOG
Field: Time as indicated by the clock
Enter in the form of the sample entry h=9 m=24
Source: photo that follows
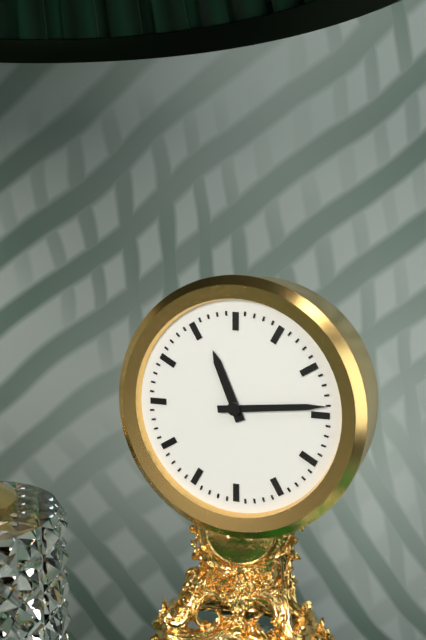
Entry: h=11 m=14
